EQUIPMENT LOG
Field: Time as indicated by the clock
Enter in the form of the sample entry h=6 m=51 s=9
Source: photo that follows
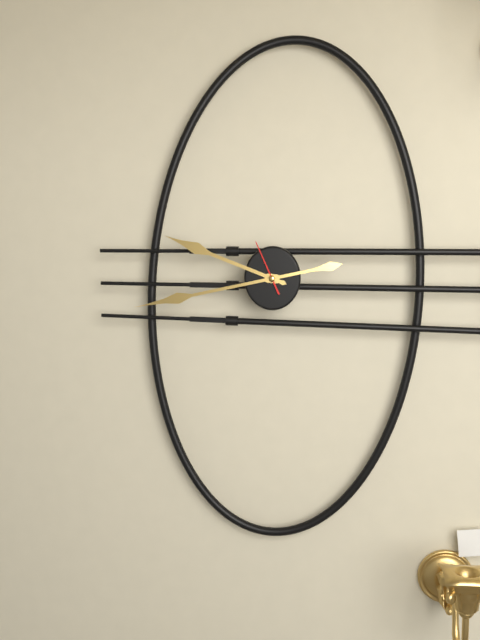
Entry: h=9 m=43 s=56
